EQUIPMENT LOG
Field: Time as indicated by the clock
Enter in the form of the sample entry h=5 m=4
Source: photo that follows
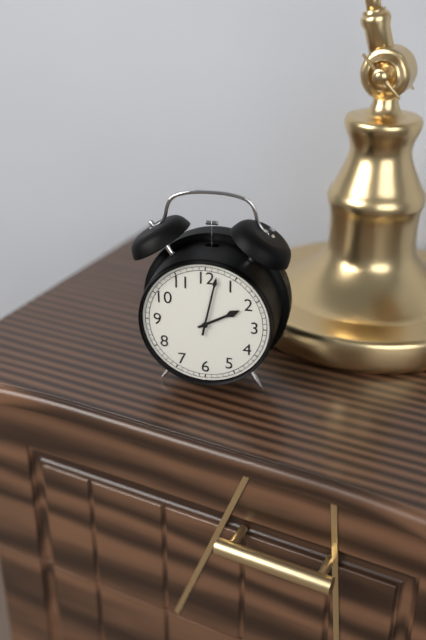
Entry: h=2 m=2
